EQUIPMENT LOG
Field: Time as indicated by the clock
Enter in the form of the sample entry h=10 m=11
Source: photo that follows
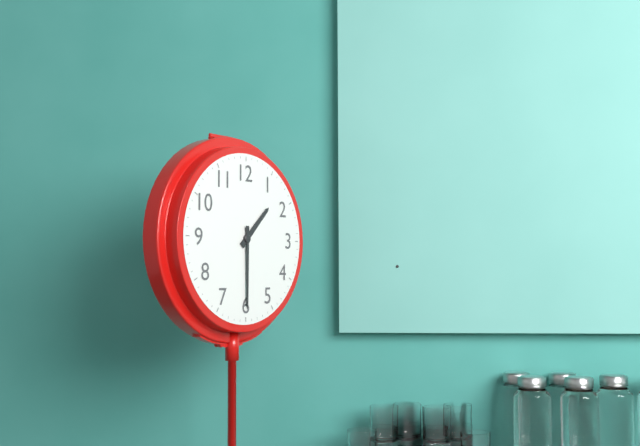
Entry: h=1 m=30
